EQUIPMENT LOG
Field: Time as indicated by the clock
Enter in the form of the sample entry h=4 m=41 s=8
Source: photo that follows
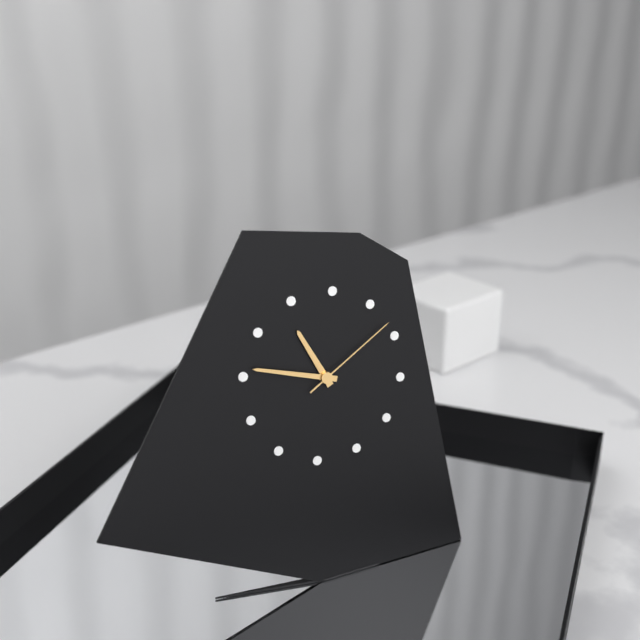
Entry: h=10 m=46 s=8
